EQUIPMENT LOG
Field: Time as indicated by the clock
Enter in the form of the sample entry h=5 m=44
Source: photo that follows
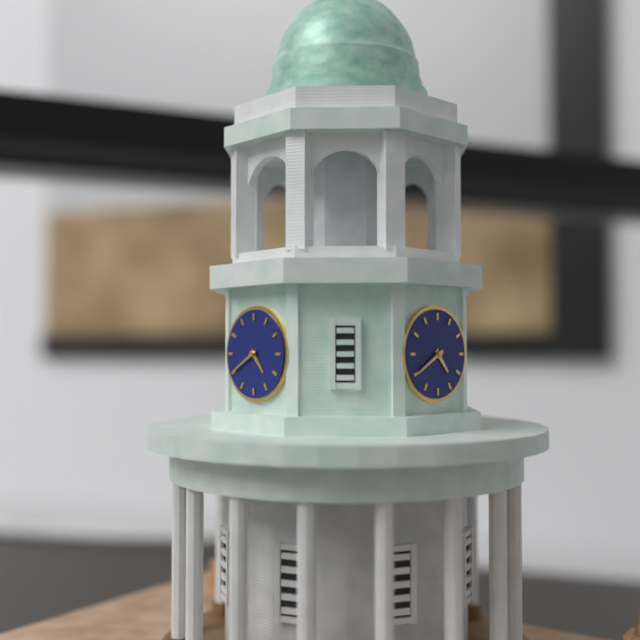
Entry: h=4 m=40
